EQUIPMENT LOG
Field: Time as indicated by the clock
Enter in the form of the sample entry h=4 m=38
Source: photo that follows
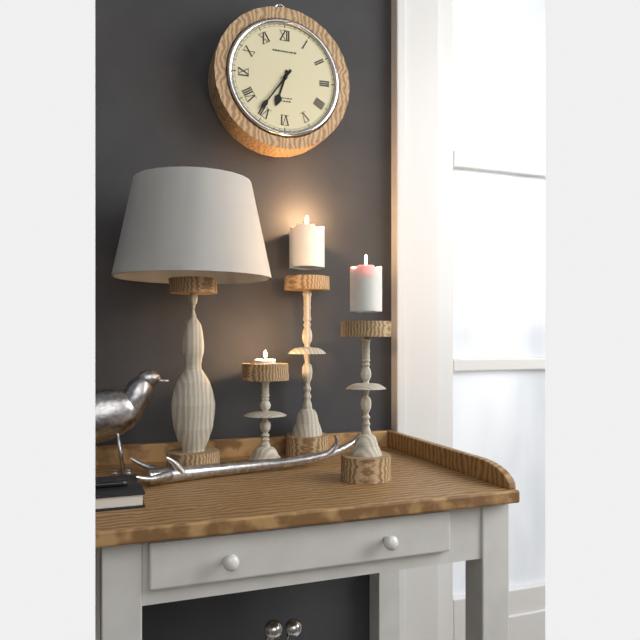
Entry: h=6 m=36
